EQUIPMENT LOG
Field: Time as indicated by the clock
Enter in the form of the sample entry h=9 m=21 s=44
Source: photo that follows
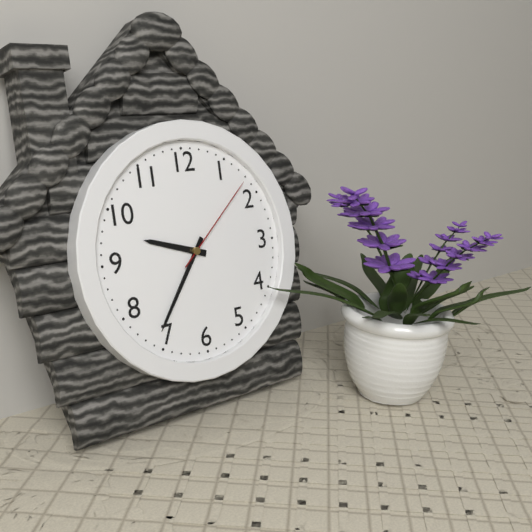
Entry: h=9 m=36 s=8
